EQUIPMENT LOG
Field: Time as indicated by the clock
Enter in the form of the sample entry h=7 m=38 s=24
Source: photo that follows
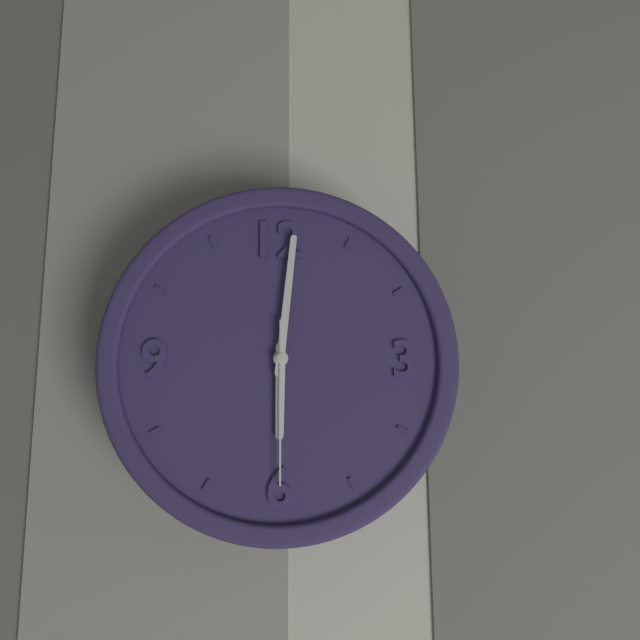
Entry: h=6 m=1 s=30
